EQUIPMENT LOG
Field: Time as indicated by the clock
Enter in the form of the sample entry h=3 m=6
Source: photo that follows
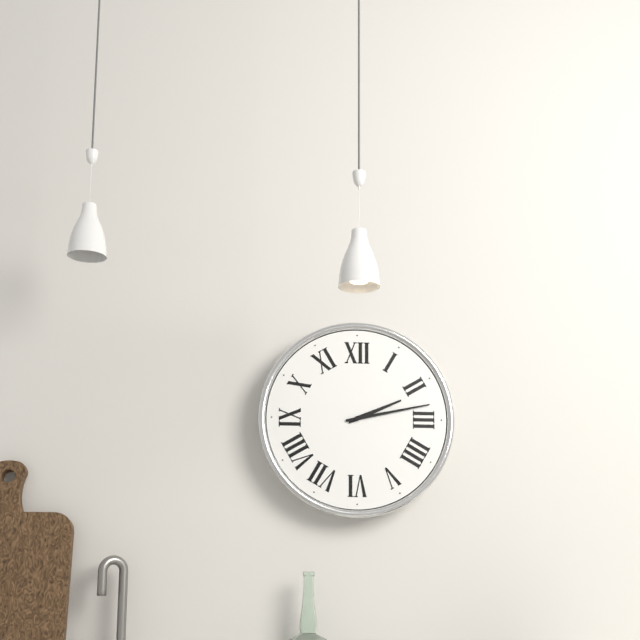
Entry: h=2 m=13
